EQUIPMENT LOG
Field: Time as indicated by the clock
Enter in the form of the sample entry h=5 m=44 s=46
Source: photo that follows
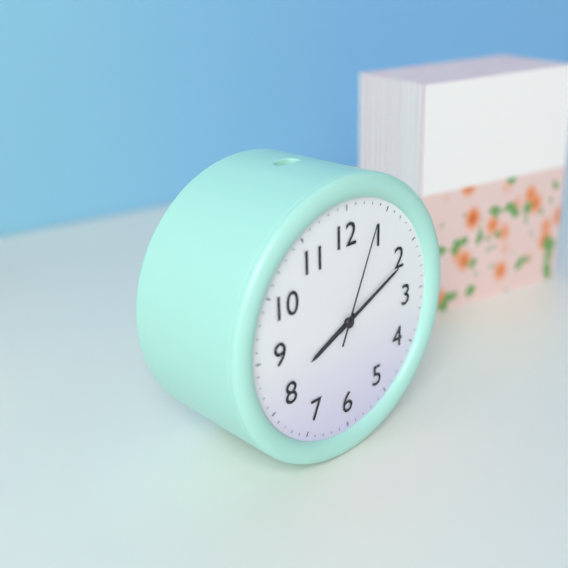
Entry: h=8 m=11 s=4
